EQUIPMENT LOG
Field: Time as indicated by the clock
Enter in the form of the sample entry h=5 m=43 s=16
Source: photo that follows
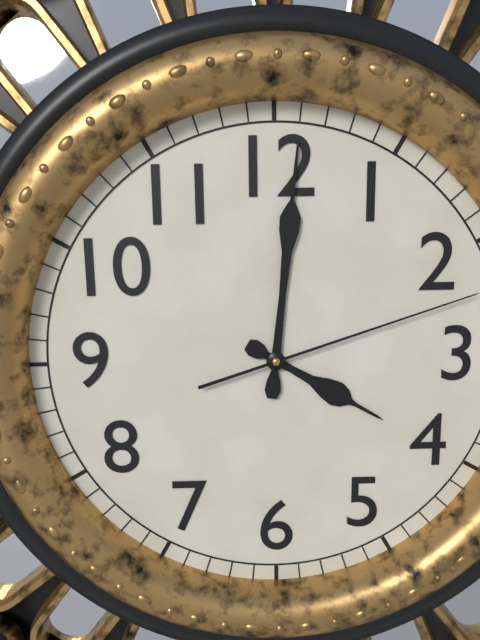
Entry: h=4 m=1 s=12
